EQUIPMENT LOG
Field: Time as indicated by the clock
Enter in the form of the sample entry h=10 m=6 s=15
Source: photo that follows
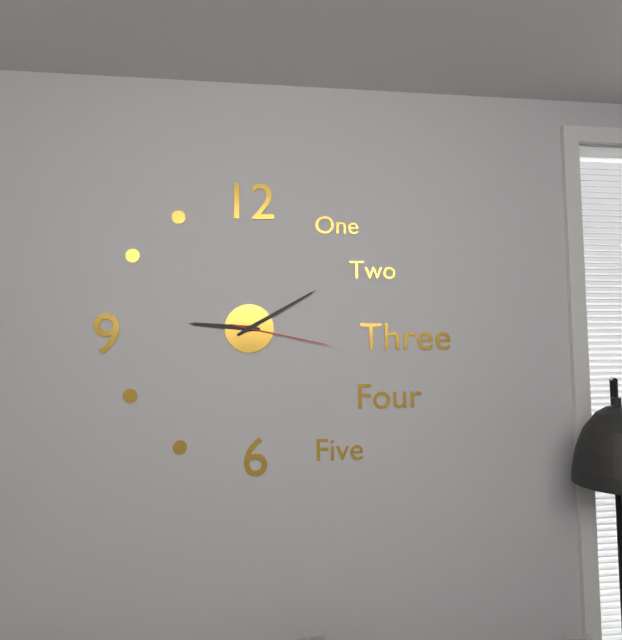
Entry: h=9 m=10 s=17
